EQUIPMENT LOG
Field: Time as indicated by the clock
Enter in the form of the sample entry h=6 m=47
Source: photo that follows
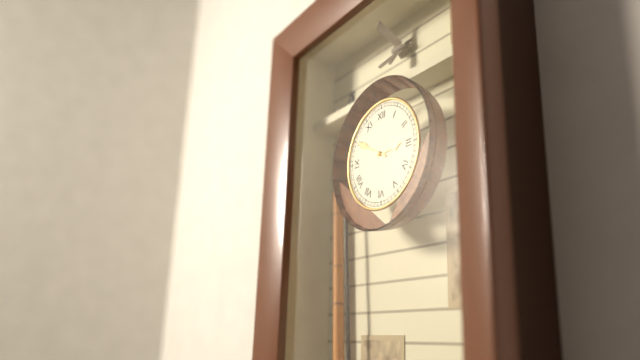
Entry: h=2 m=50
